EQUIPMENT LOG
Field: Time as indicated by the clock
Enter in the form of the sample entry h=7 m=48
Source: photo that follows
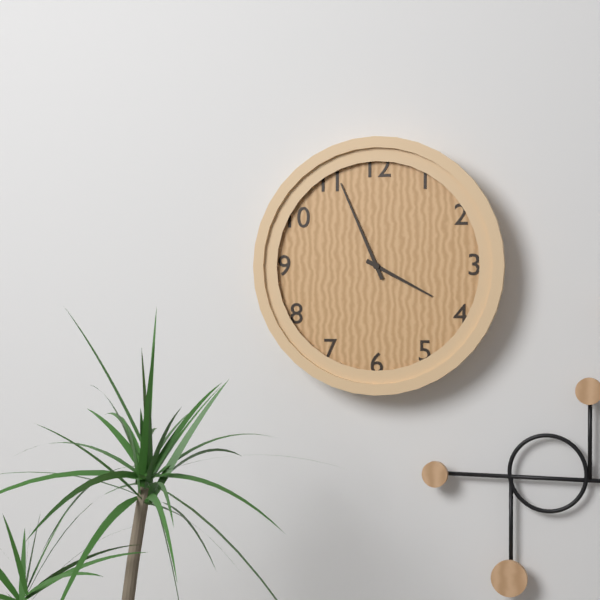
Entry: h=3 m=56
